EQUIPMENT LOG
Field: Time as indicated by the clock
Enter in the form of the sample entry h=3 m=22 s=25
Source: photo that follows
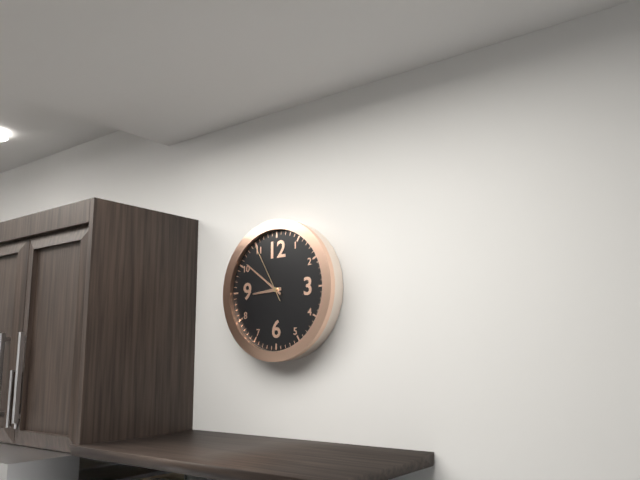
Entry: h=8 m=51 s=55
